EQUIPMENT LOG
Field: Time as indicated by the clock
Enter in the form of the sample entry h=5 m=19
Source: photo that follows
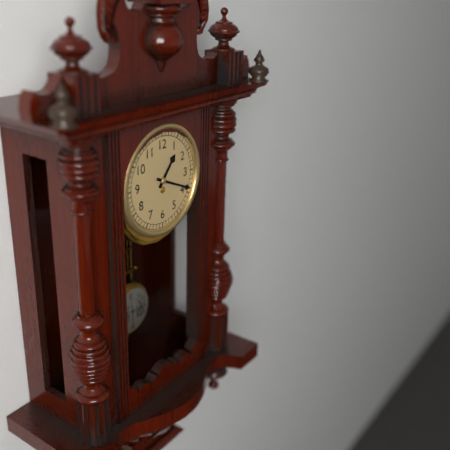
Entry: h=1 m=19
